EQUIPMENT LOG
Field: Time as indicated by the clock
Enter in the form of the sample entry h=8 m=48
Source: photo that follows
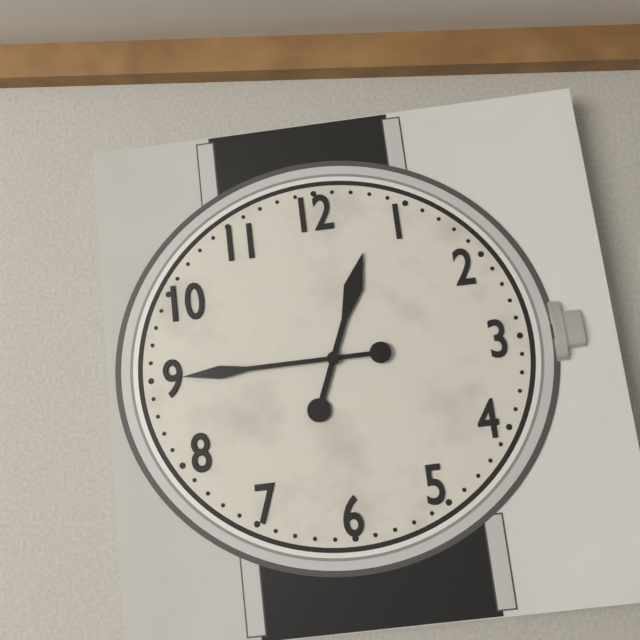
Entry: h=12 m=45
